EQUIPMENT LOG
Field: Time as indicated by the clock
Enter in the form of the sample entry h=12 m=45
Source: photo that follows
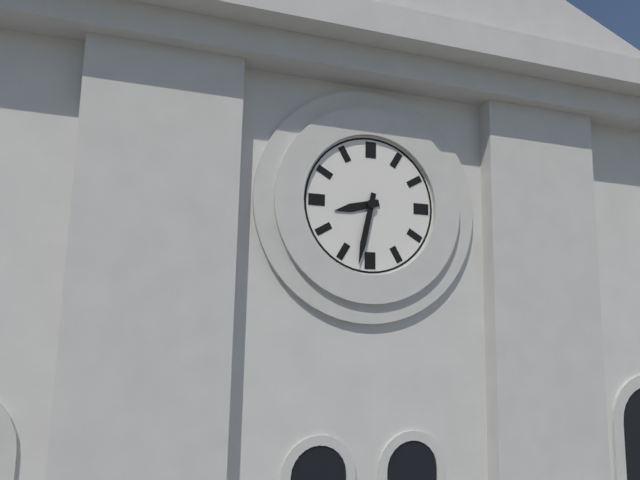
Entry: h=8 m=32
